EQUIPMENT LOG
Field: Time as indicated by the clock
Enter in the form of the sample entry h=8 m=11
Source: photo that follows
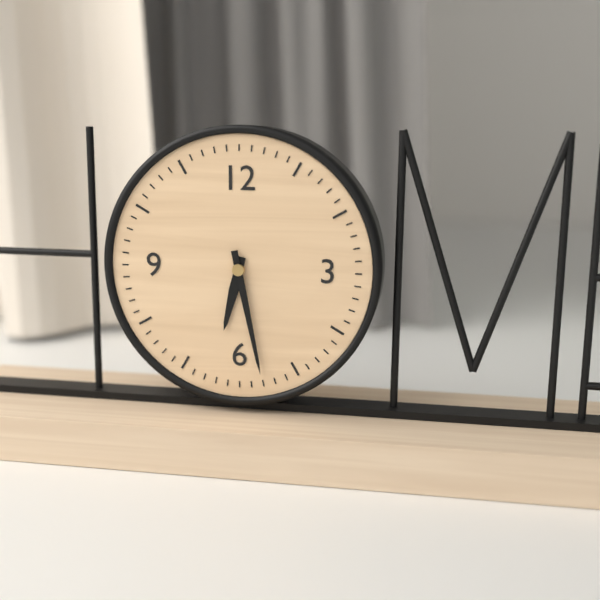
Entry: h=6 m=28
